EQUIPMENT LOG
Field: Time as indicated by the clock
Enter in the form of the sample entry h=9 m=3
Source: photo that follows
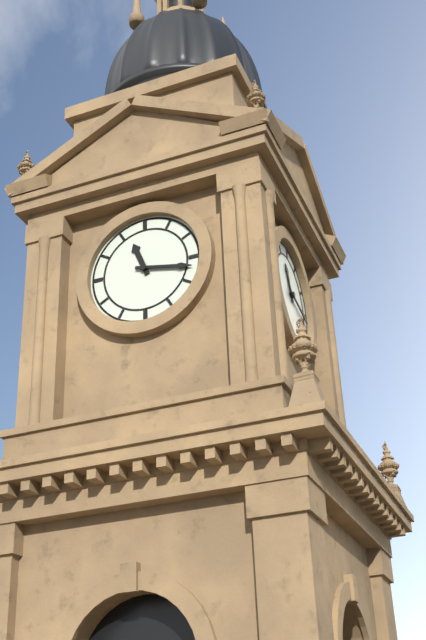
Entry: h=11 m=17
